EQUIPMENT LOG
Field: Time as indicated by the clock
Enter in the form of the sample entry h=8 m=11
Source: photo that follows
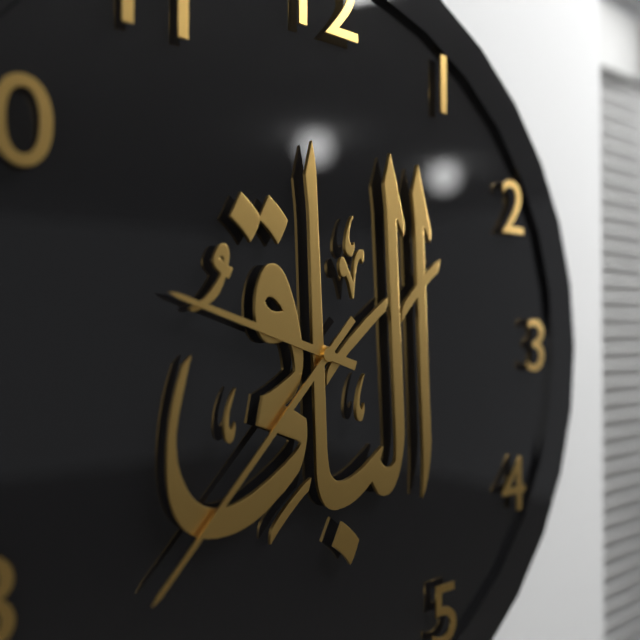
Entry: h=9 m=37
